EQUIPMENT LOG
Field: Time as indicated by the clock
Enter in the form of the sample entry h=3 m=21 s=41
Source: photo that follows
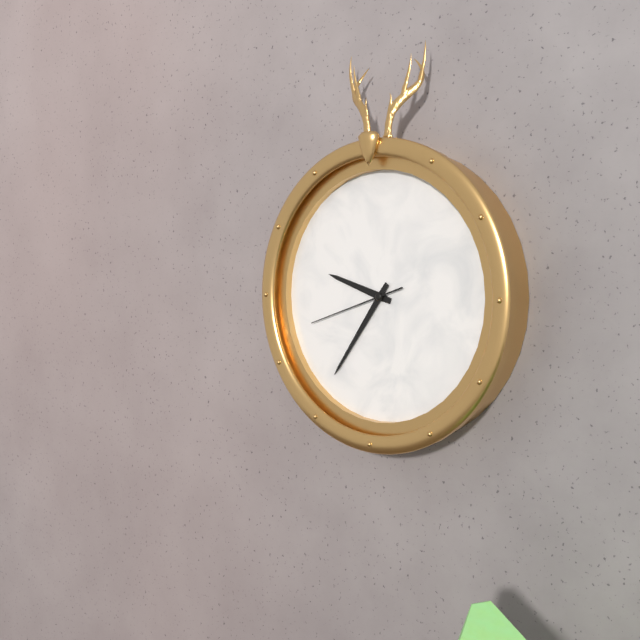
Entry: h=9 m=36 s=42
